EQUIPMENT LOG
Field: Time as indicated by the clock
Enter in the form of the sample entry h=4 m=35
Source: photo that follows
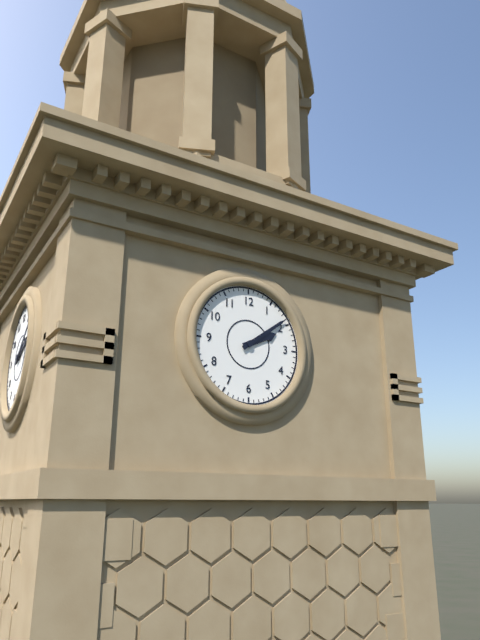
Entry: h=2 m=9
